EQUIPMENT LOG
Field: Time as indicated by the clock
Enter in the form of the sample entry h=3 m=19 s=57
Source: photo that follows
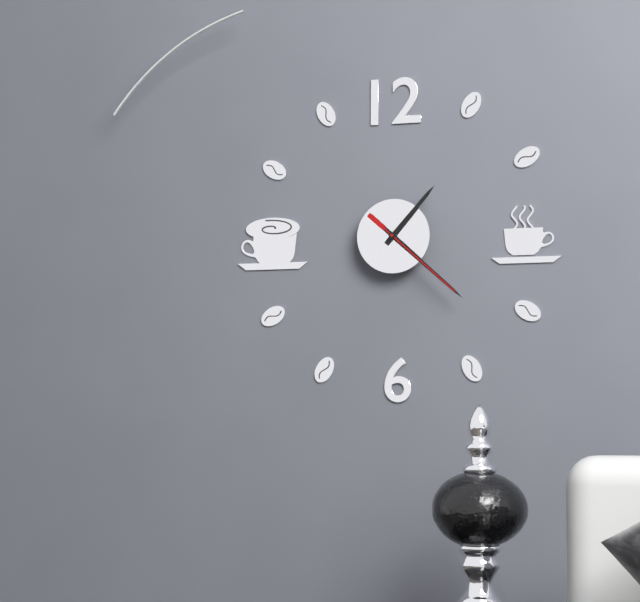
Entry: h=1 m=22 s=22
